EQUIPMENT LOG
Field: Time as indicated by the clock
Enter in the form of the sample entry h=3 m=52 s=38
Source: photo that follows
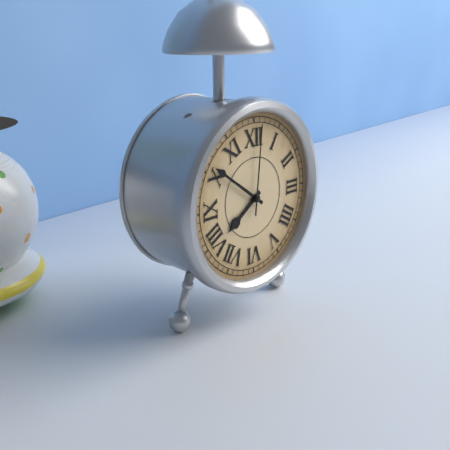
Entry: h=7 m=51 s=1
